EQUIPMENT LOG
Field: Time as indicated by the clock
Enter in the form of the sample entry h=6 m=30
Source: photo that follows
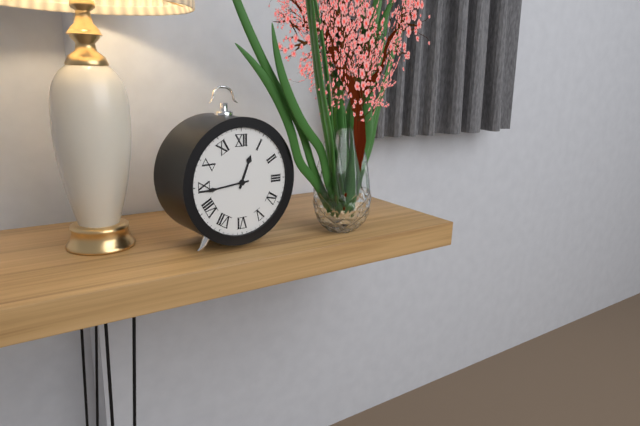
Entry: h=12 m=44
